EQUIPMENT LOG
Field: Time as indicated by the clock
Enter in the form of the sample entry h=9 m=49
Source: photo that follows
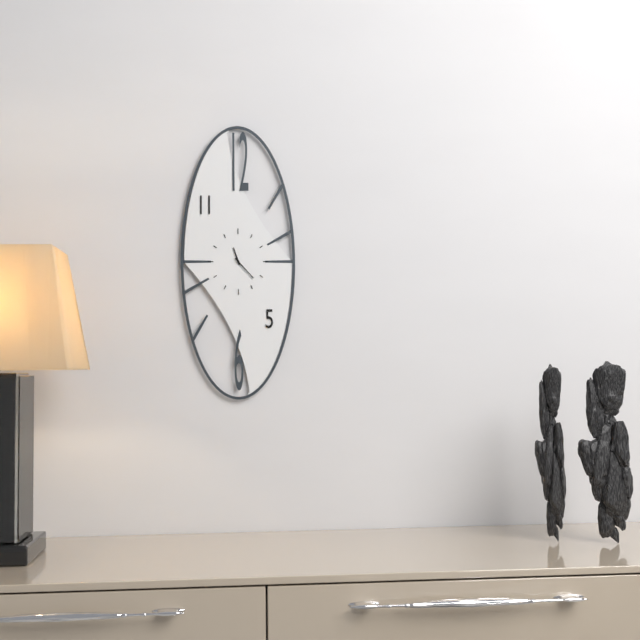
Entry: h=11 m=23
